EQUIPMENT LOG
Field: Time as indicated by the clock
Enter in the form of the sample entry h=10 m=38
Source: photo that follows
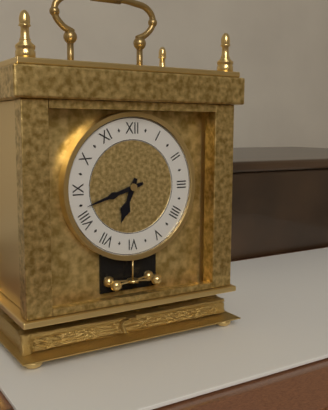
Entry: h=6 m=42
